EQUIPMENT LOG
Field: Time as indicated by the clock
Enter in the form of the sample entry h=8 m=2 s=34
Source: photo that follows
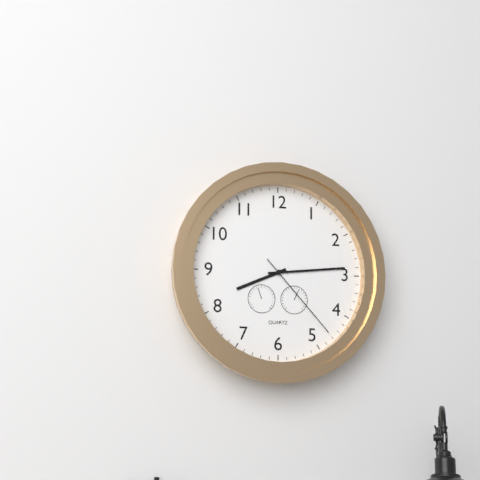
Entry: h=8 m=14 s=23
